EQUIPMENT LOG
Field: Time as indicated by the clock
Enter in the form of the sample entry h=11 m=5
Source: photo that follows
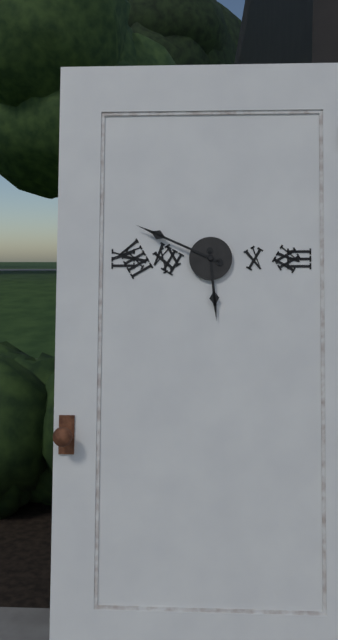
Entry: h=5 m=49
